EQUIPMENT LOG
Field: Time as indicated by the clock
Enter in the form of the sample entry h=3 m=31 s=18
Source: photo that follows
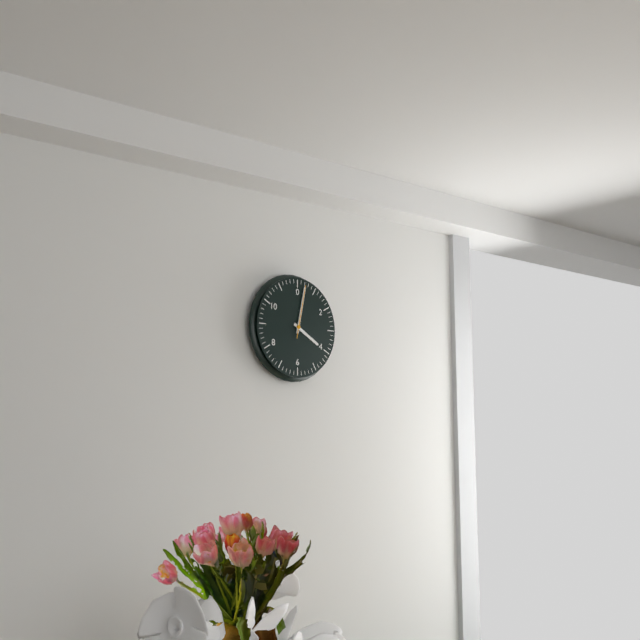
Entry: h=4 m=2 s=2
